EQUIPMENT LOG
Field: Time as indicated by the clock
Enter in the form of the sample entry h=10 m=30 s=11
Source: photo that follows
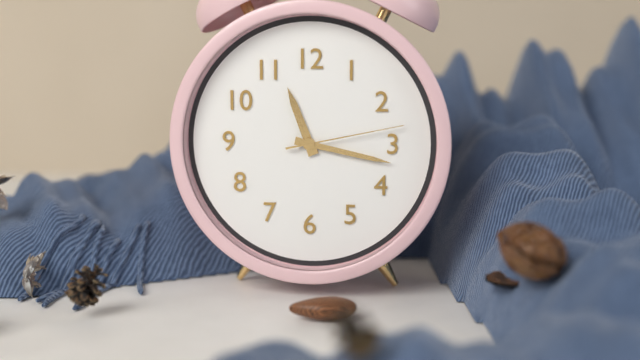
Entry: h=11 m=17 s=13
